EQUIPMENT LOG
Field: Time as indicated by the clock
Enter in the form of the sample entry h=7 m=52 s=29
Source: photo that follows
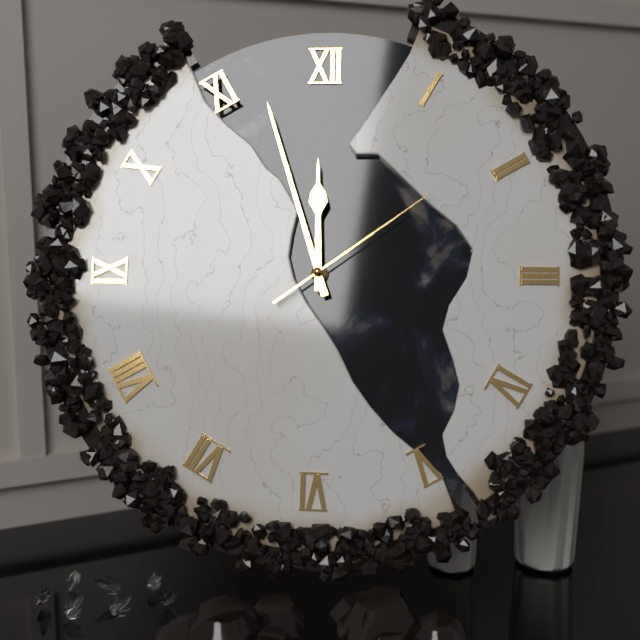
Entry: h=11 m=57 s=9
